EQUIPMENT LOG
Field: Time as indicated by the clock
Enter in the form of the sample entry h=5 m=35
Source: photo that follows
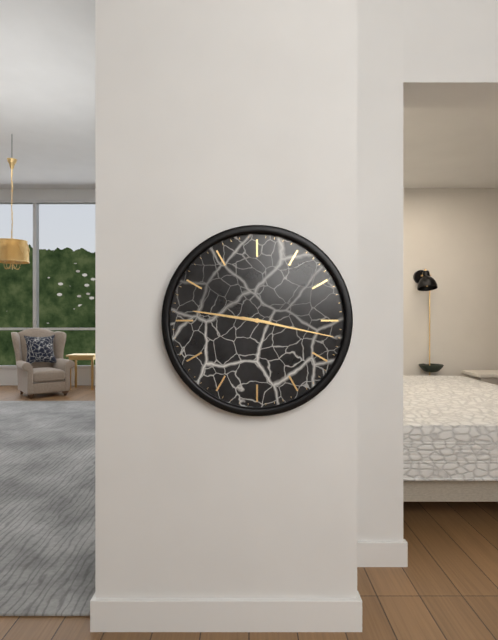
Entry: h=9 m=17
